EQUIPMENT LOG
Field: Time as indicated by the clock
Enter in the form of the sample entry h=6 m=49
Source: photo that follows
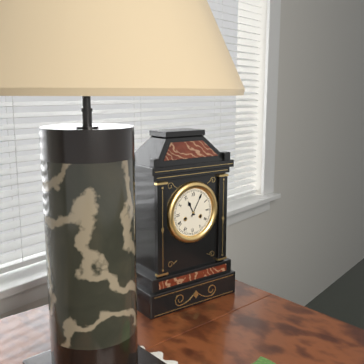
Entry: h=11 m=5
